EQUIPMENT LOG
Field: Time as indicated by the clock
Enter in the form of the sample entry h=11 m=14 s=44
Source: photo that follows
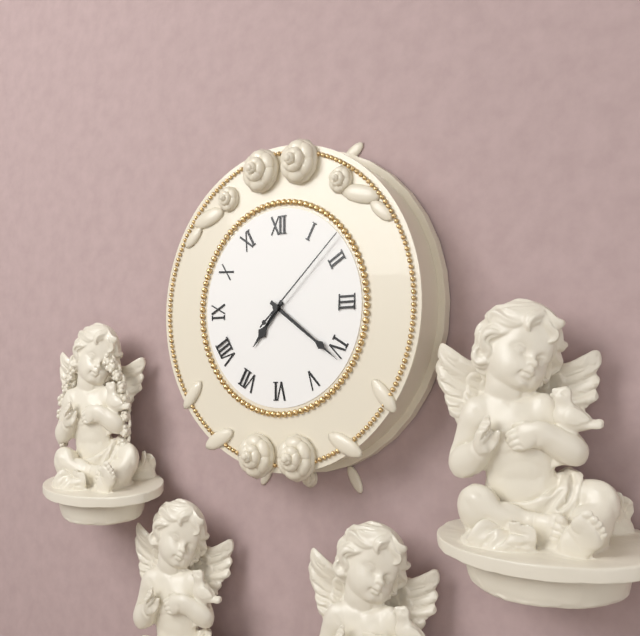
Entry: h=7 m=21 s=8
